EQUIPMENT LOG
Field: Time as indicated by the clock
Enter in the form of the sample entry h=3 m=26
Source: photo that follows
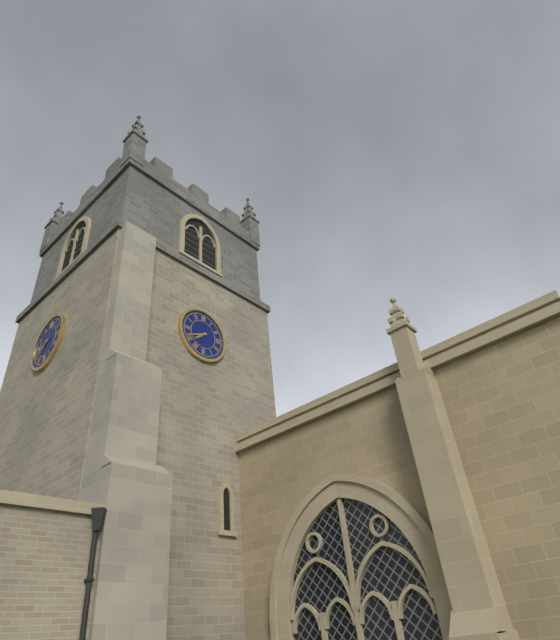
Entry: h=7 m=41
